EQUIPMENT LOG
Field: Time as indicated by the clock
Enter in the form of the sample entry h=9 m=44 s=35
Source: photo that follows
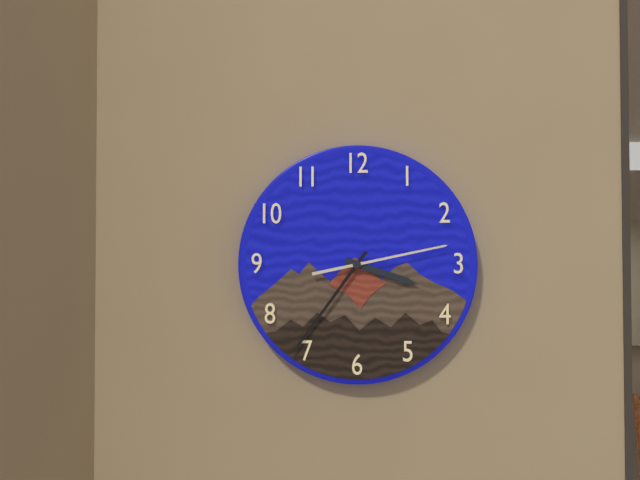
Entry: h=3 m=36 s=13
